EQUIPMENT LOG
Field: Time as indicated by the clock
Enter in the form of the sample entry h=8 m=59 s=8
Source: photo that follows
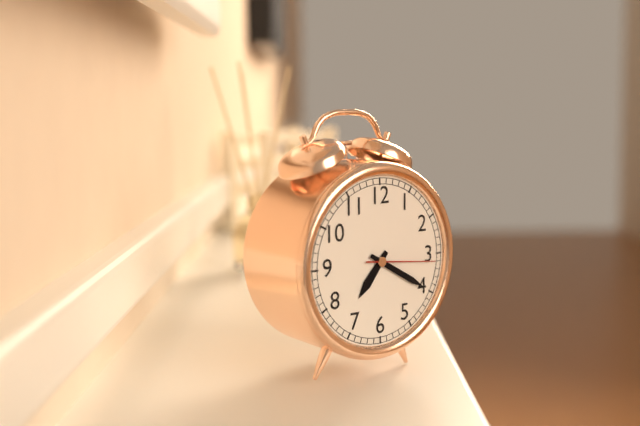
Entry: h=7 m=20 s=16
